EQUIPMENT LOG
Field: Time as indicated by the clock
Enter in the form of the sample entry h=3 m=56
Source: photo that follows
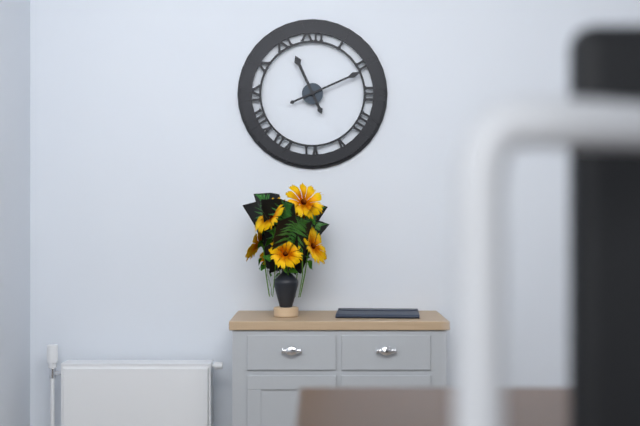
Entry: h=11 m=11
